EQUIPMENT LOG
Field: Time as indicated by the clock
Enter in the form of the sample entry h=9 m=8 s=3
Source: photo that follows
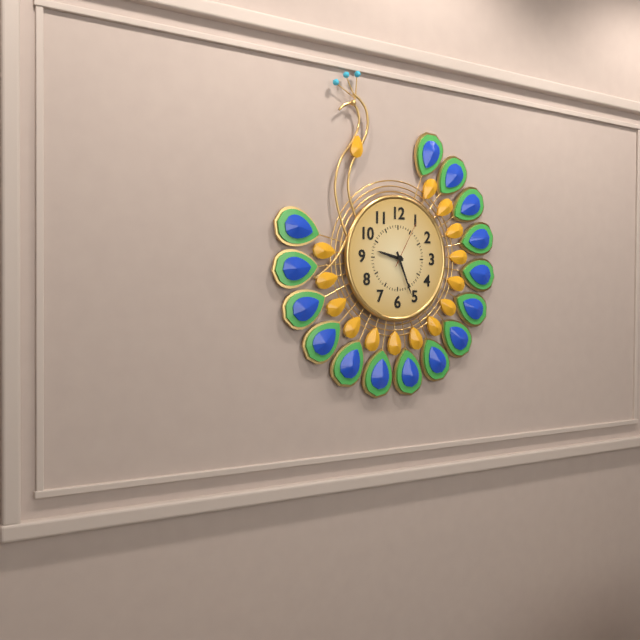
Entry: h=9 m=26 s=5
